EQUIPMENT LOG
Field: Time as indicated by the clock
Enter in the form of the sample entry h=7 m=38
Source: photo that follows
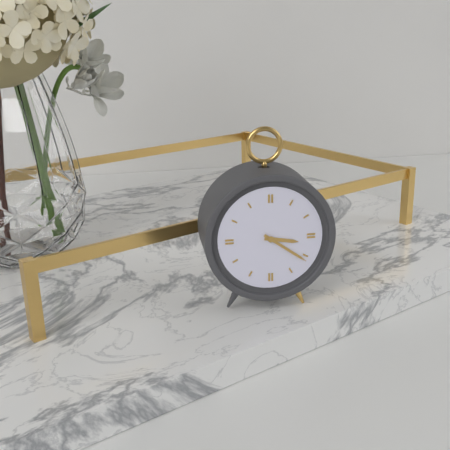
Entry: h=3 m=21
